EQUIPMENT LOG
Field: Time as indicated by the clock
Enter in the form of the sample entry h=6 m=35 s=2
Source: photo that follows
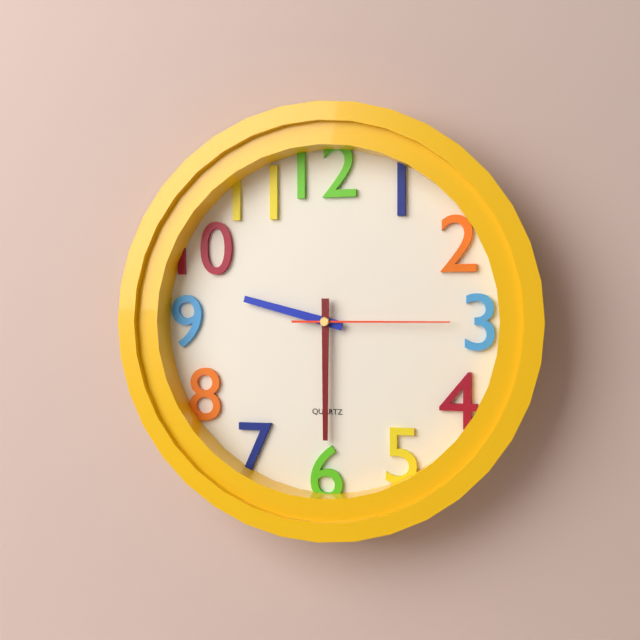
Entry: h=9 m=30 s=15
